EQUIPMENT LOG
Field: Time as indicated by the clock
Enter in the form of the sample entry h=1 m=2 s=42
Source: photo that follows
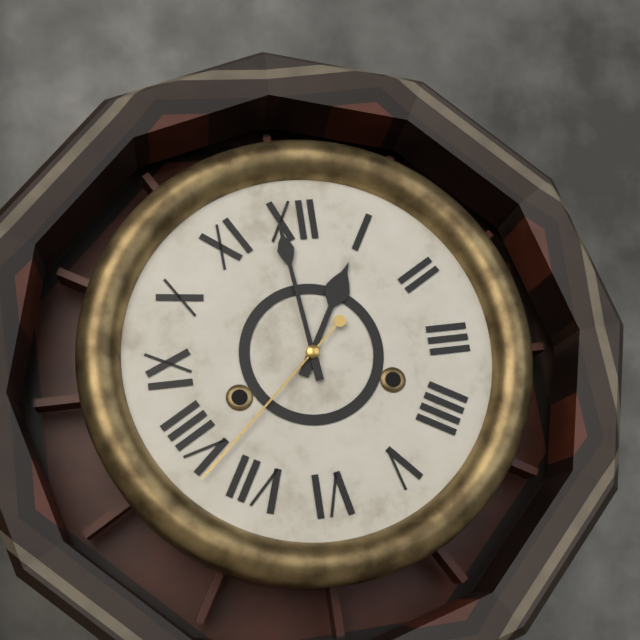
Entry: h=12 m=59 s=38
